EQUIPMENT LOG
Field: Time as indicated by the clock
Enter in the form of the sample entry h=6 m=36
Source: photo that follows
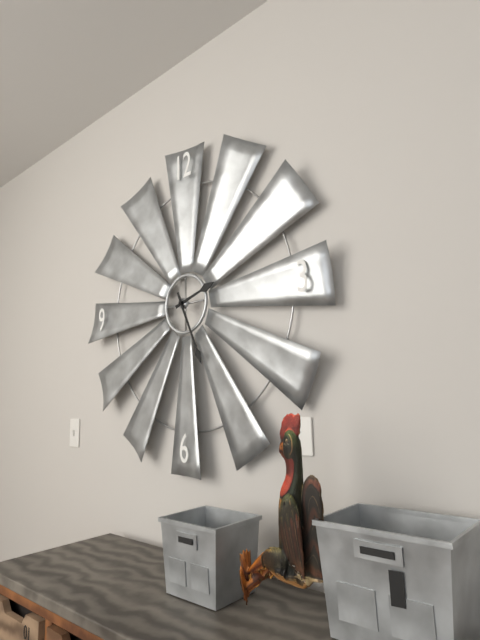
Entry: h=2 m=26
